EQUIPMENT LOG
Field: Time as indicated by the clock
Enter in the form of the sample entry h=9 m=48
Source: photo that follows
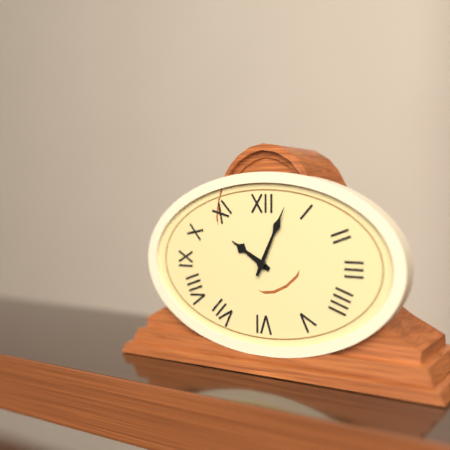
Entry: h=10 m=4
